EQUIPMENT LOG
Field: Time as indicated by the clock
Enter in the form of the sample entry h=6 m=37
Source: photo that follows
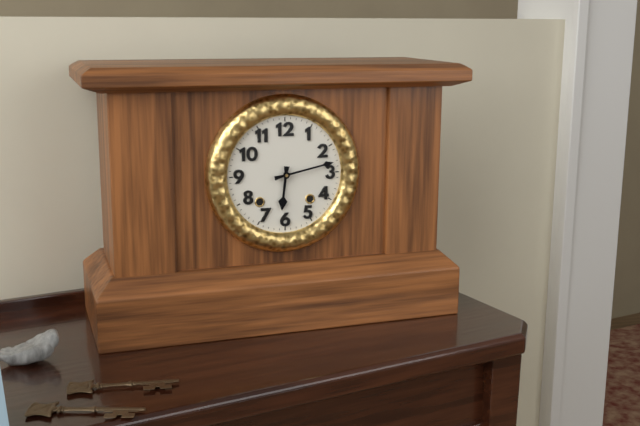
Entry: h=6 m=13
